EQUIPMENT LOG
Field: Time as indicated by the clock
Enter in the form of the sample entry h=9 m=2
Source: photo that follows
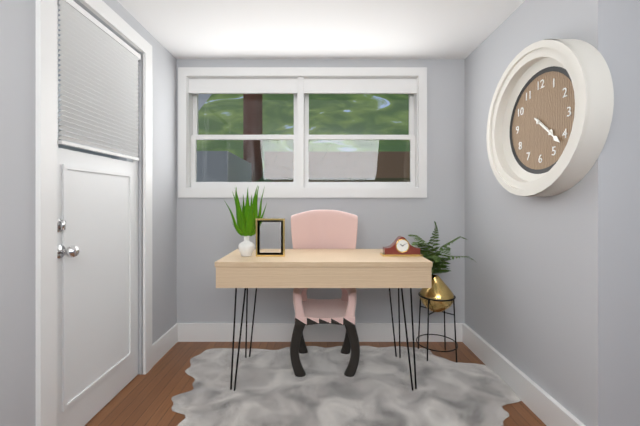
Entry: h=4 m=22
